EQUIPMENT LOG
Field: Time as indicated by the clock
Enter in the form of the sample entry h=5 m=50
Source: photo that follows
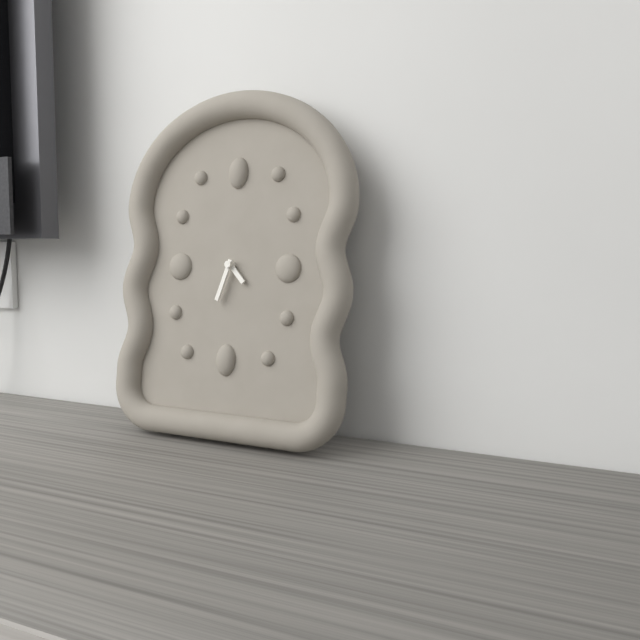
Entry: h=4 m=33
